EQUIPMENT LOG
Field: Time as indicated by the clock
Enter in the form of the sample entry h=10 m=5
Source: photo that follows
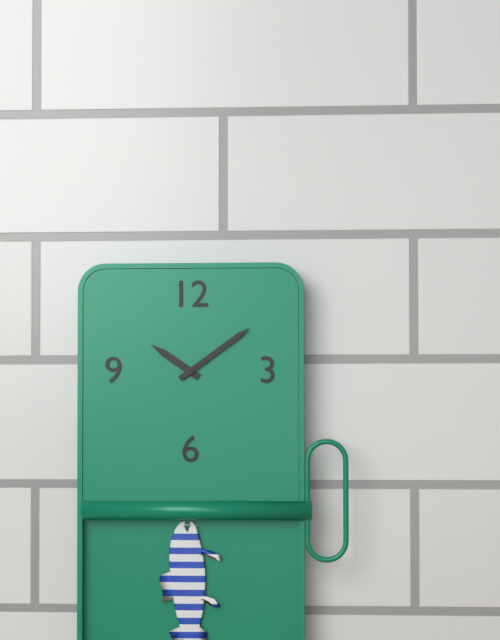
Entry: h=10 m=9
